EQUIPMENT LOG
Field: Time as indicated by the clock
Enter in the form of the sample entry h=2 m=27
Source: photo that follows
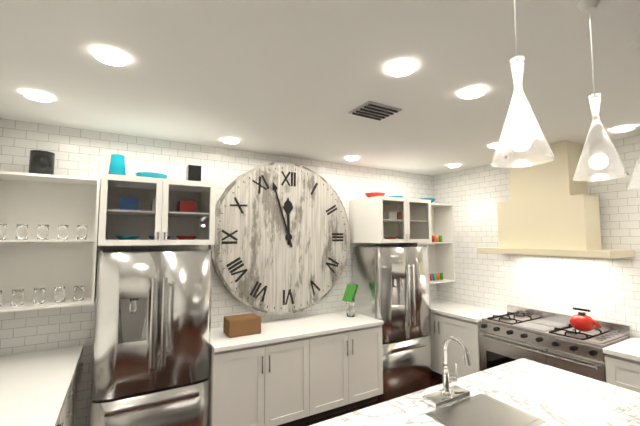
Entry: h=11 m=57
